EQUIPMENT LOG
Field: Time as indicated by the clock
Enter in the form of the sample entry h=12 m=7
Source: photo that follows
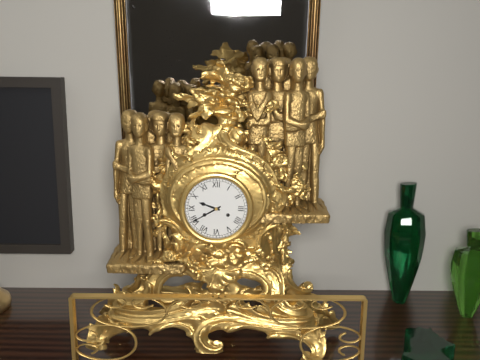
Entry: h=9 m=40
